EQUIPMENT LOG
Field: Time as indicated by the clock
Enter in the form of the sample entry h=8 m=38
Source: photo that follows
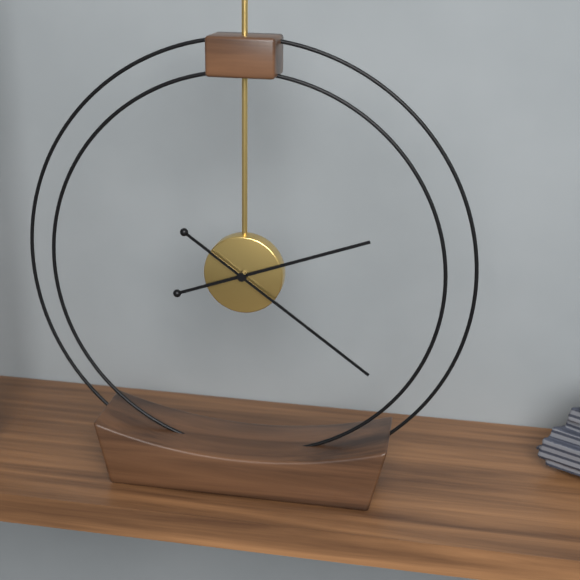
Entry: h=2 m=21
